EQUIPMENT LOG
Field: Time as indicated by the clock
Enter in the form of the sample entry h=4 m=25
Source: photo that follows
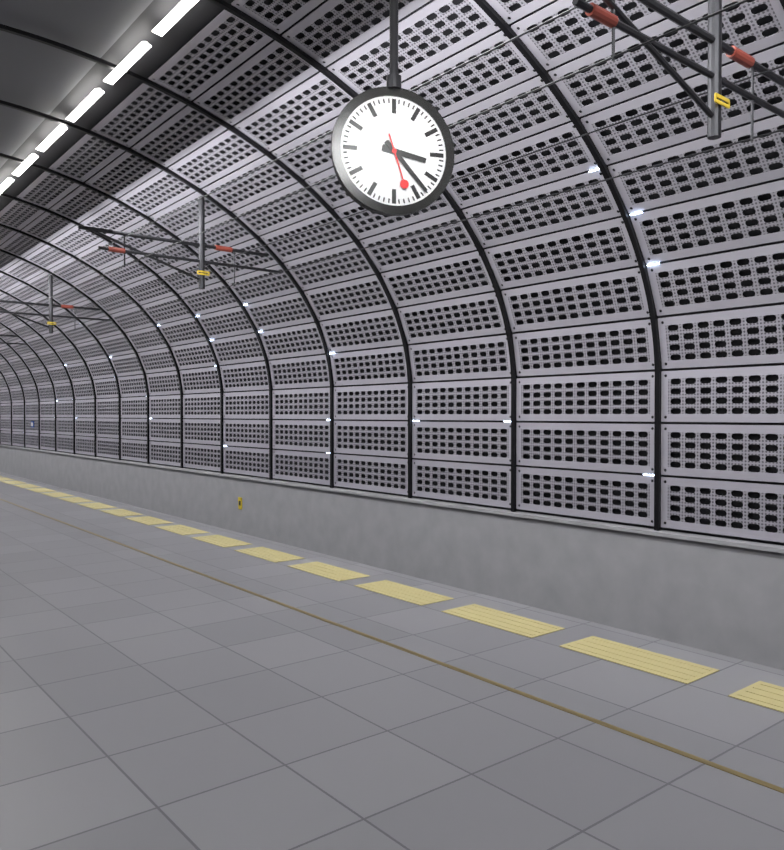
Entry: h=3 m=23
